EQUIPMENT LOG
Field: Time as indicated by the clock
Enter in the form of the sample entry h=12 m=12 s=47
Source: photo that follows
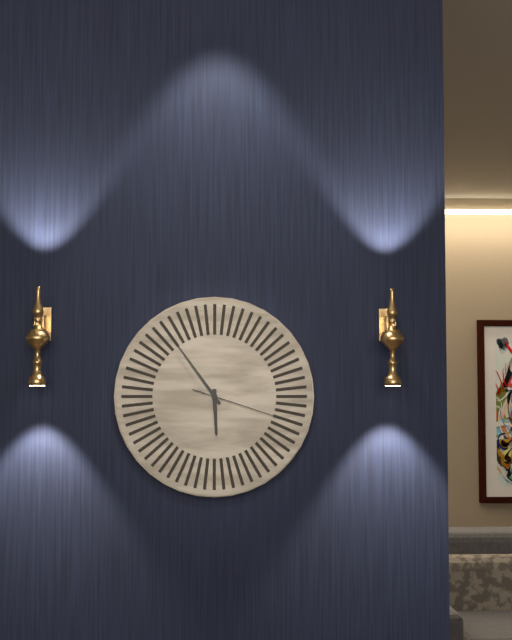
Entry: h=5 m=54 s=18
